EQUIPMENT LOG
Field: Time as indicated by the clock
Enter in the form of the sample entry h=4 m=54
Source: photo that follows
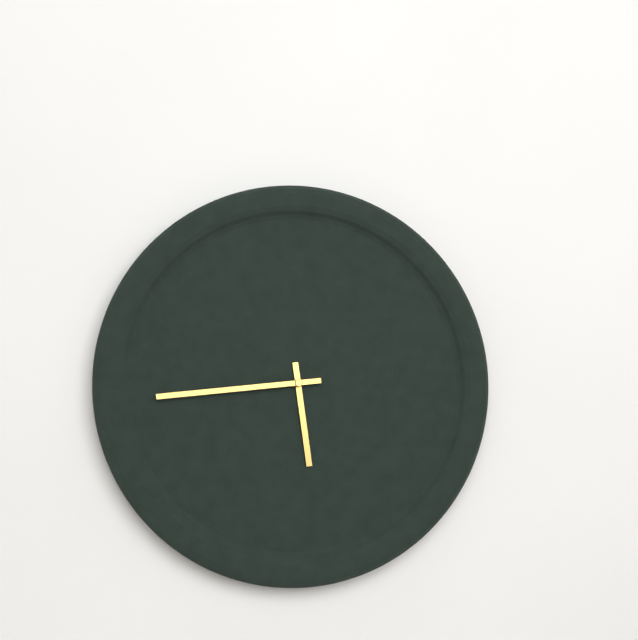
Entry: h=5 m=44
